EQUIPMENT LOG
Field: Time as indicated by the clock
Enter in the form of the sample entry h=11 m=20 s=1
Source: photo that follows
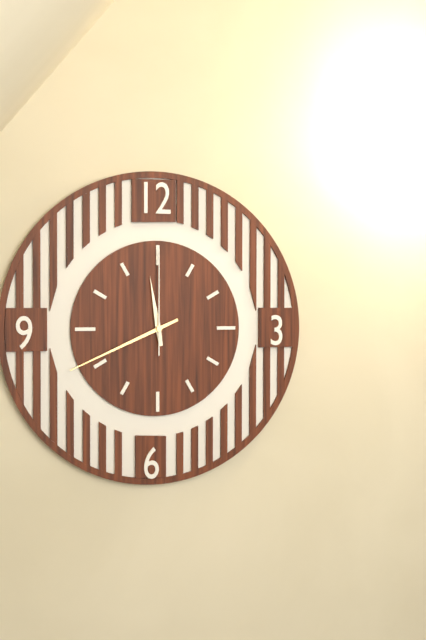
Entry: h=11 m=41 s=0
